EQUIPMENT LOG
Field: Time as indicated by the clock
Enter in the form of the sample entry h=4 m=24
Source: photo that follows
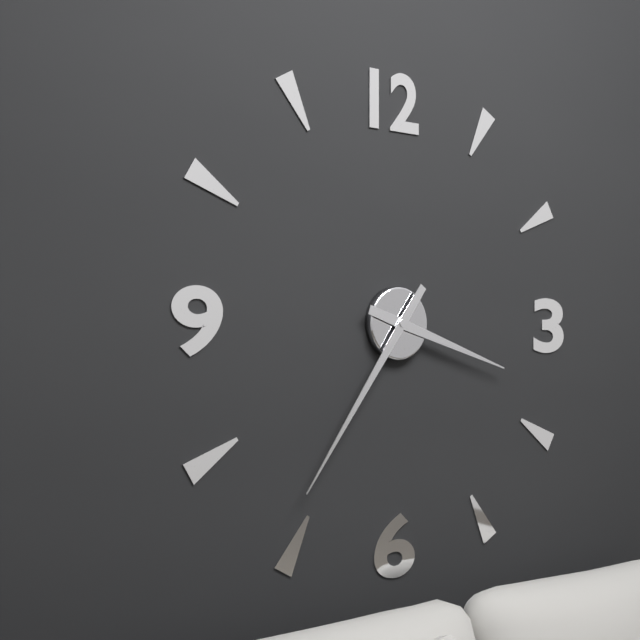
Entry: h=3 m=36
